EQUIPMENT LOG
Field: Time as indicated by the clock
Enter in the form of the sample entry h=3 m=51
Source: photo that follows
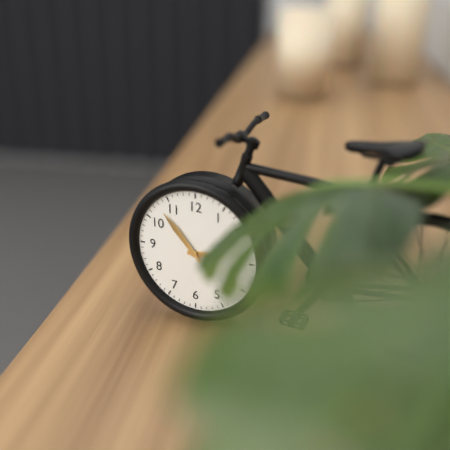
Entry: h=2 m=53
